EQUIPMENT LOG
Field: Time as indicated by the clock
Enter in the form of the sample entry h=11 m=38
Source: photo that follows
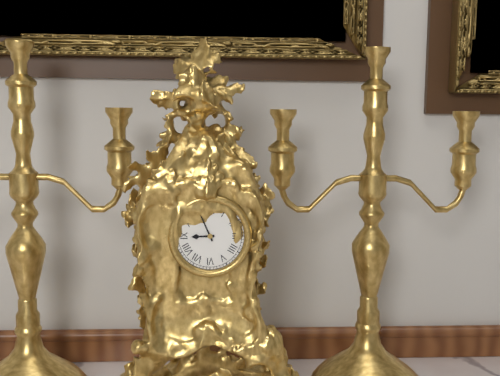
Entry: h=8 m=56
